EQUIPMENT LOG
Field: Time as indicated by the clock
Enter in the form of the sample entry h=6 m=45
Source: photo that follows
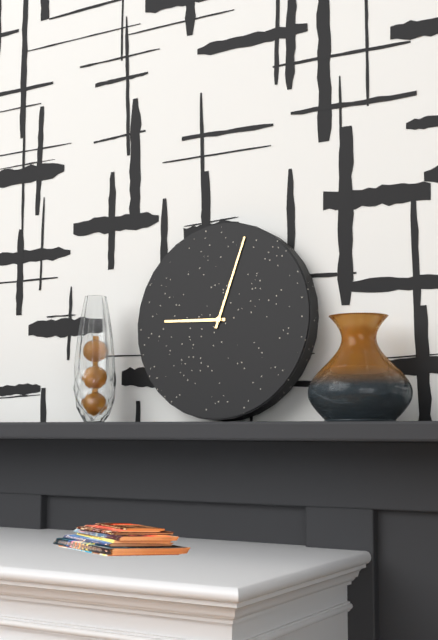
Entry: h=9 m=3
